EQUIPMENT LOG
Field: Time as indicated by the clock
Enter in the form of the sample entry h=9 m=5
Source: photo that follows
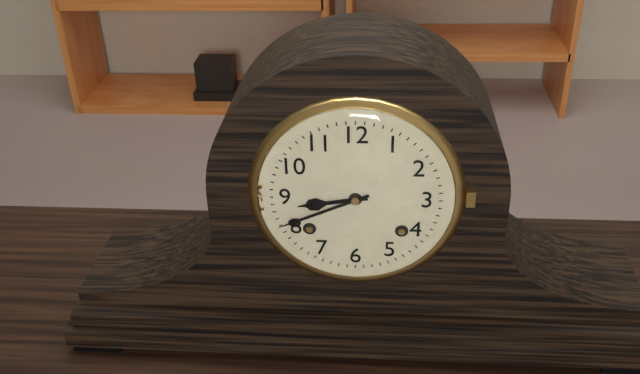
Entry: h=8 m=41
